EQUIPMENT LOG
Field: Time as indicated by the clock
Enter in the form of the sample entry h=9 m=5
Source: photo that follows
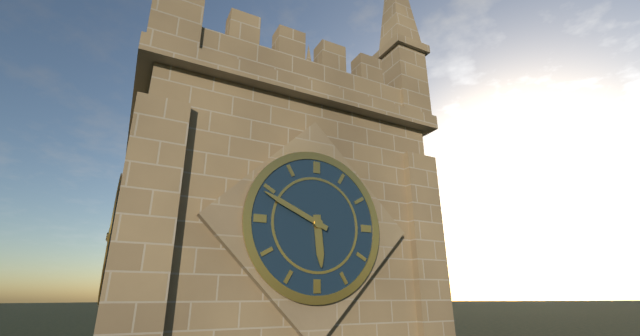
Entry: h=5 m=49
